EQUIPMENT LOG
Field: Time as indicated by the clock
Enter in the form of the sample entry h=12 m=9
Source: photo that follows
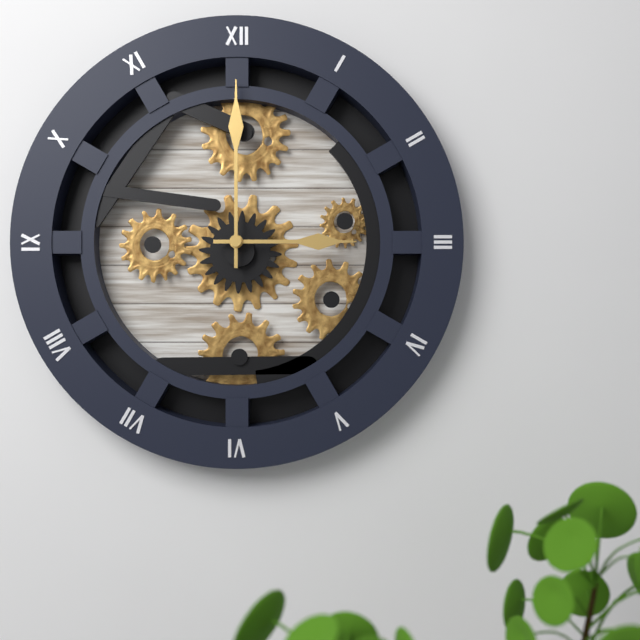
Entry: h=3 m=0
